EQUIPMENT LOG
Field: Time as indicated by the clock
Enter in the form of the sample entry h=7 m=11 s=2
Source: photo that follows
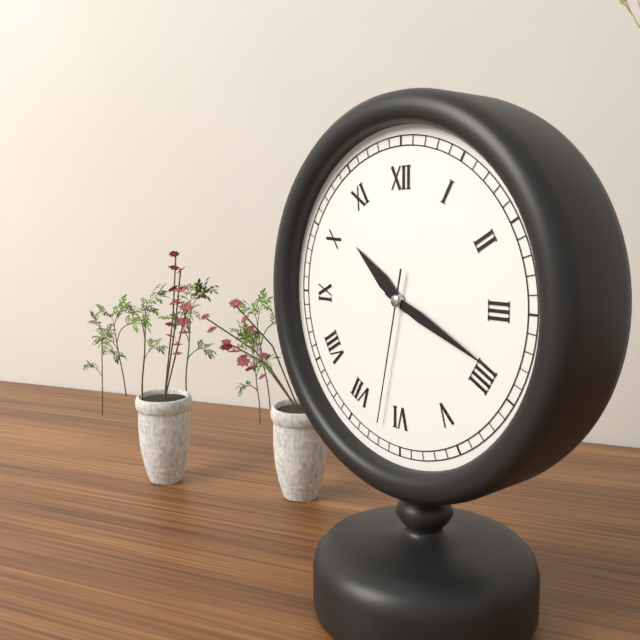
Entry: h=10 m=19 s=32
